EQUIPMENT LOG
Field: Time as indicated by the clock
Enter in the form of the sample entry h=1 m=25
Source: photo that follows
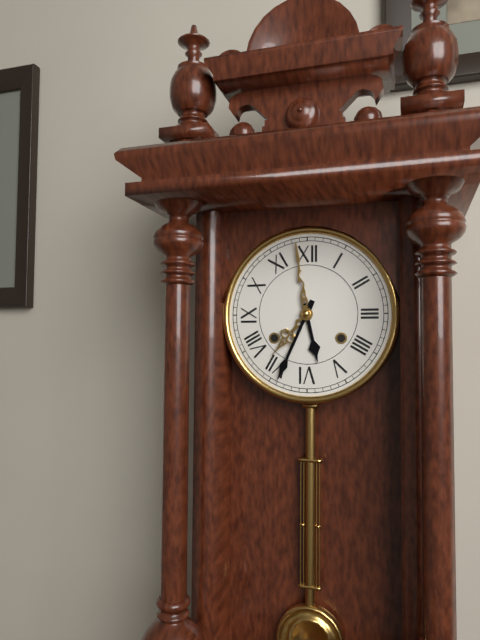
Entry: h=5 m=34
